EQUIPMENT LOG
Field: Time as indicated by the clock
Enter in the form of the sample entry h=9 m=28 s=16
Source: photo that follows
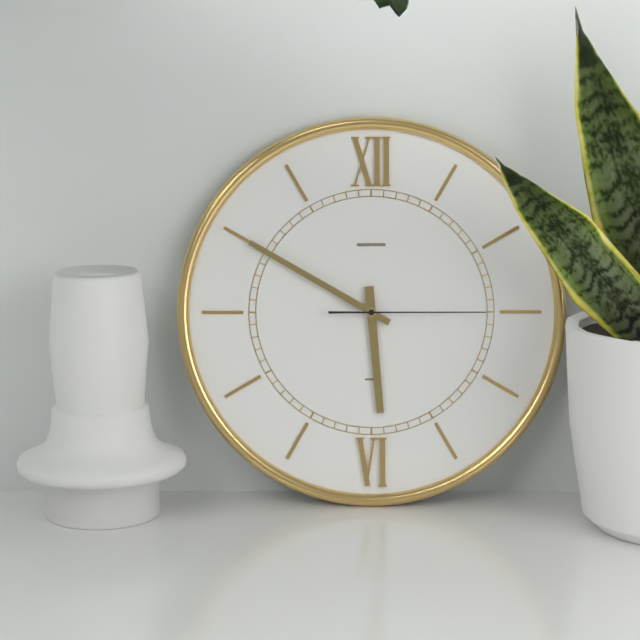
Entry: h=5 m=50 s=15
